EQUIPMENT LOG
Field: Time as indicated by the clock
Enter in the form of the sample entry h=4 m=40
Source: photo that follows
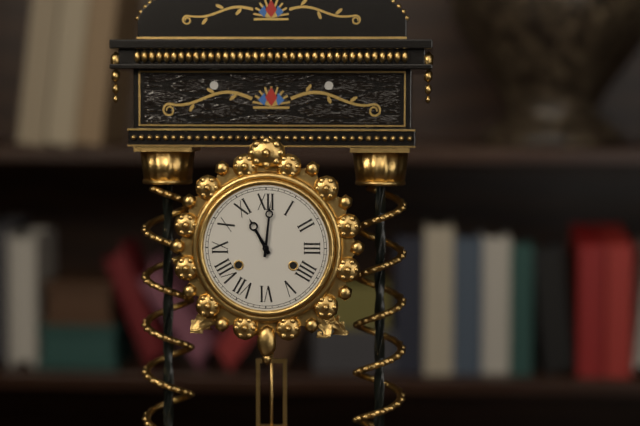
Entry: h=11 m=1
